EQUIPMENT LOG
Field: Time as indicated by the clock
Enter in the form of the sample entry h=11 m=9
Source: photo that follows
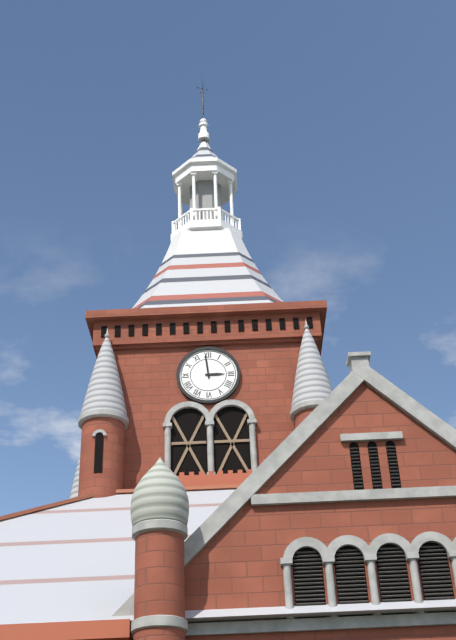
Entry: h=2 m=59
